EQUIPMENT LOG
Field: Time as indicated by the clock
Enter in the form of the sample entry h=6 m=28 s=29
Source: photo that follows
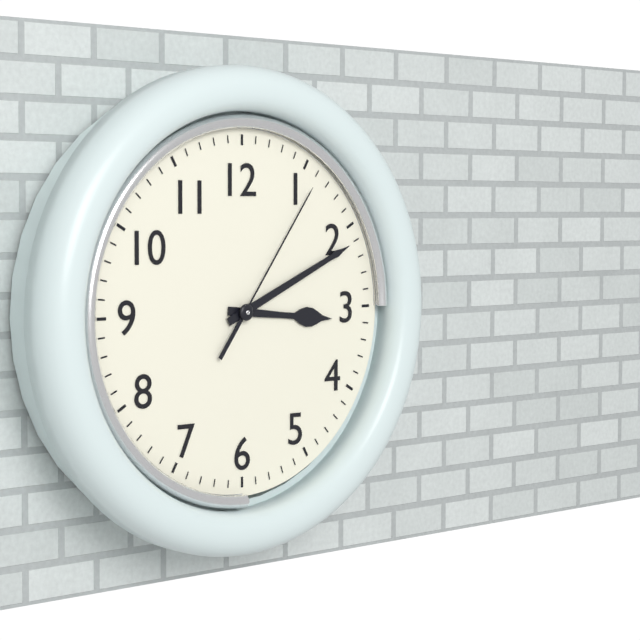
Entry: h=3 m=11 s=6
